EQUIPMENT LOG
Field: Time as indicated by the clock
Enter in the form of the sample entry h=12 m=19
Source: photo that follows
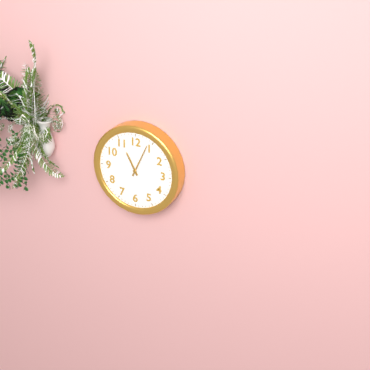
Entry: h=11 m=4
